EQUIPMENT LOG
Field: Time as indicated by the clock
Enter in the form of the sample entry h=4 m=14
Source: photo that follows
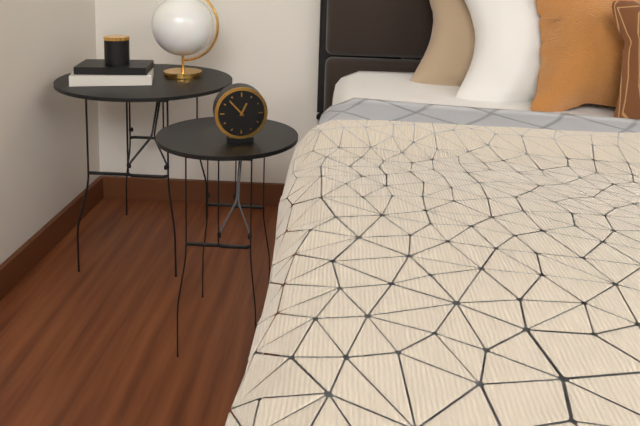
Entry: h=12 m=53
